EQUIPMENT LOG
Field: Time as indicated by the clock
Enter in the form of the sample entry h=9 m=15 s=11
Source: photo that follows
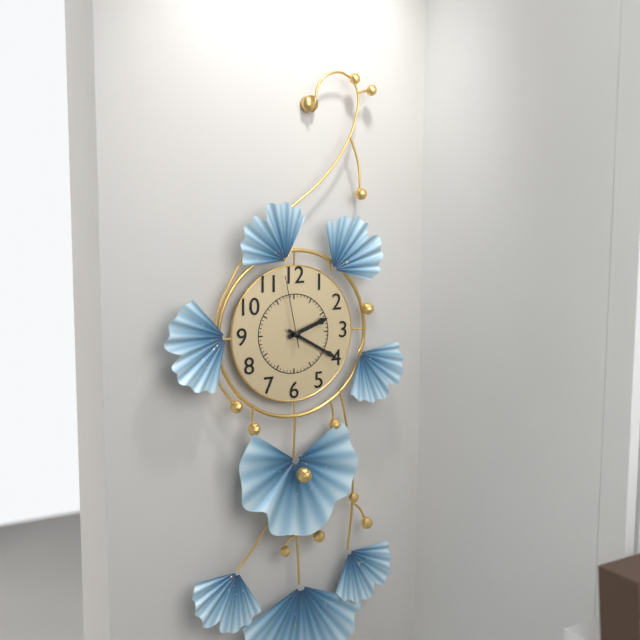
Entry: h=2 m=20 s=58
